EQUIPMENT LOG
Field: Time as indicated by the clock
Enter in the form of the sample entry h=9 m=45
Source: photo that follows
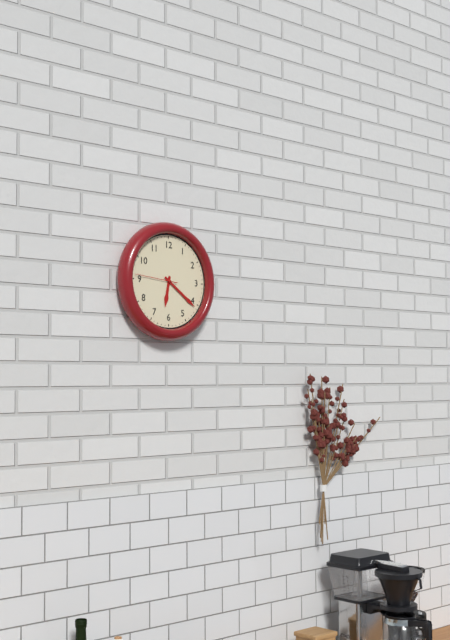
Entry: h=6 m=21
